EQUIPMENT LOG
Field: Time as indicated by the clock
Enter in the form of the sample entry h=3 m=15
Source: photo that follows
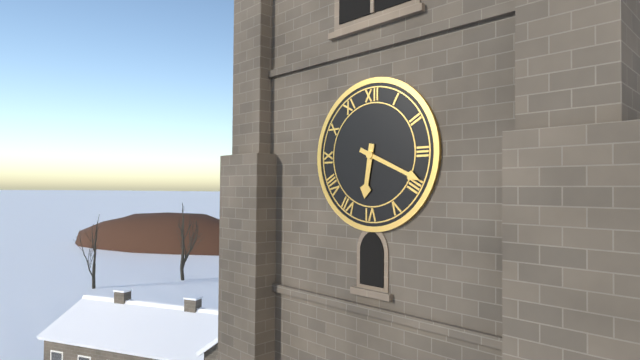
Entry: h=6 m=19
